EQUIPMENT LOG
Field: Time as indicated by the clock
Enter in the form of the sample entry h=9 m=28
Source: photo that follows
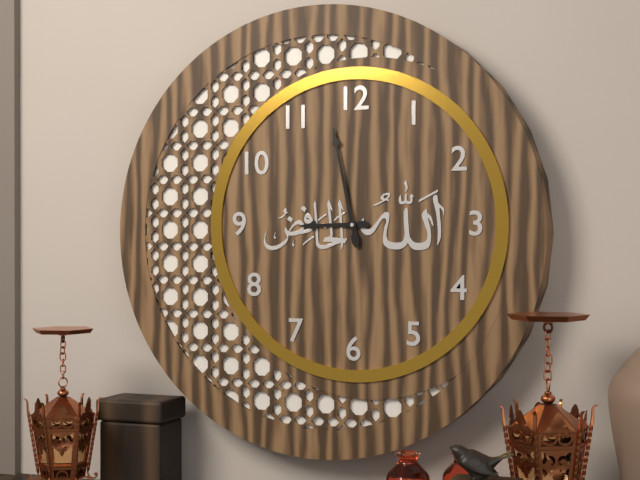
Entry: h=8 m=58
